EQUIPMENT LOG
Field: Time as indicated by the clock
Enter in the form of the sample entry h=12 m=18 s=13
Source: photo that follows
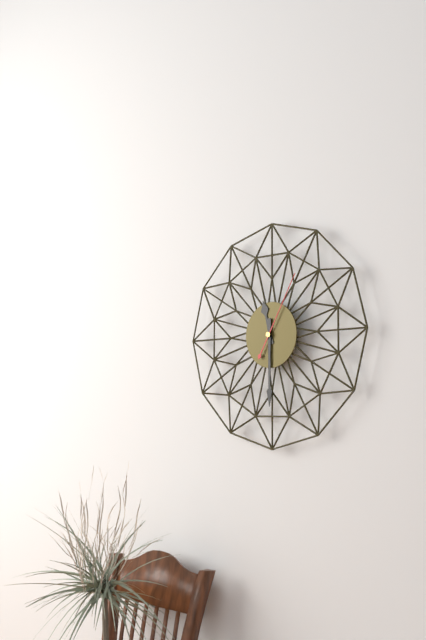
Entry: h=11 m=30 s=5
